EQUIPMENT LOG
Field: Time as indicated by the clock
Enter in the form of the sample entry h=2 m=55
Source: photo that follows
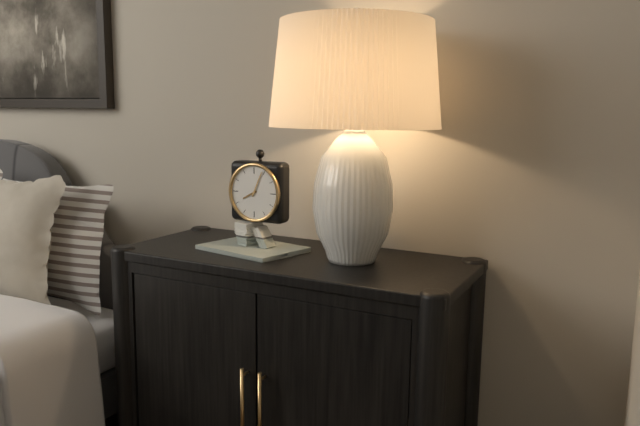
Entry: h=8 m=4
